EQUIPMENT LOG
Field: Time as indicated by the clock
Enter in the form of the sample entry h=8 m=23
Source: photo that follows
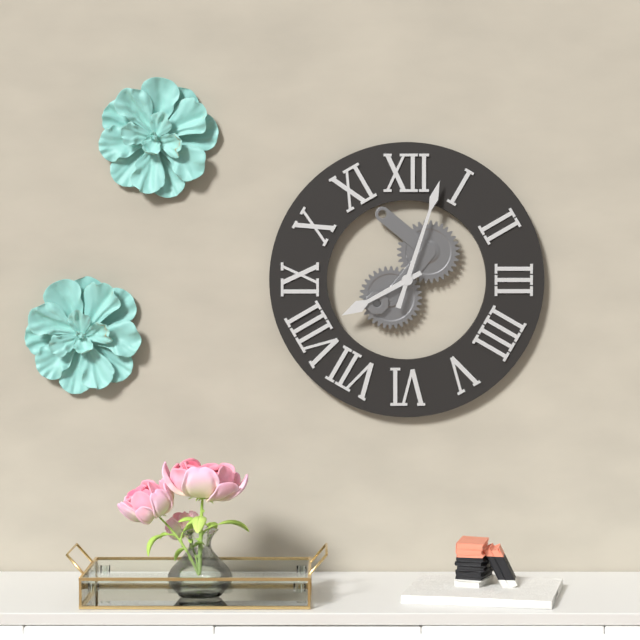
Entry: h=8 m=3
